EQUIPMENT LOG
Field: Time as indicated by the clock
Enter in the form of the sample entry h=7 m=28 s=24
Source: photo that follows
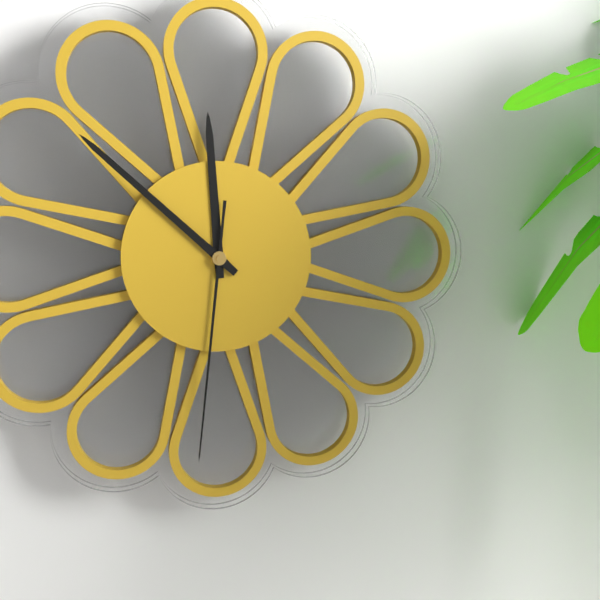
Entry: h=11 m=52 s=31
